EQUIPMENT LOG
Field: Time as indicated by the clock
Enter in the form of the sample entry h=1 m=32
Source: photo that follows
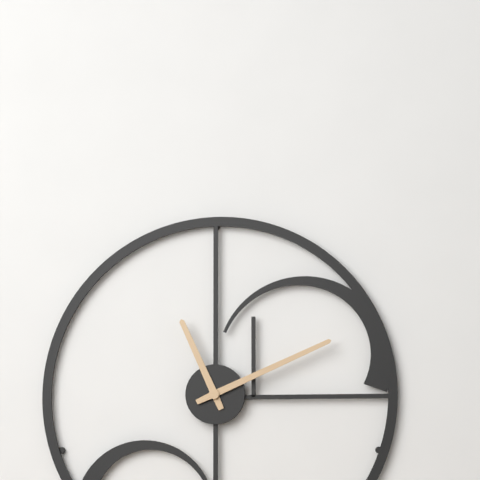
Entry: h=11 m=11
